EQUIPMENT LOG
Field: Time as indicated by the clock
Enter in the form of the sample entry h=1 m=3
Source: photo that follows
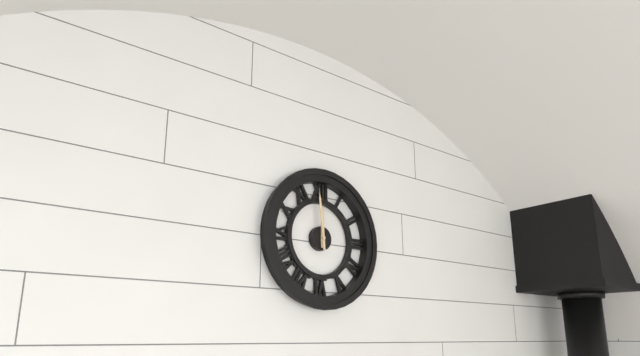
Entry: h=11 m=59
